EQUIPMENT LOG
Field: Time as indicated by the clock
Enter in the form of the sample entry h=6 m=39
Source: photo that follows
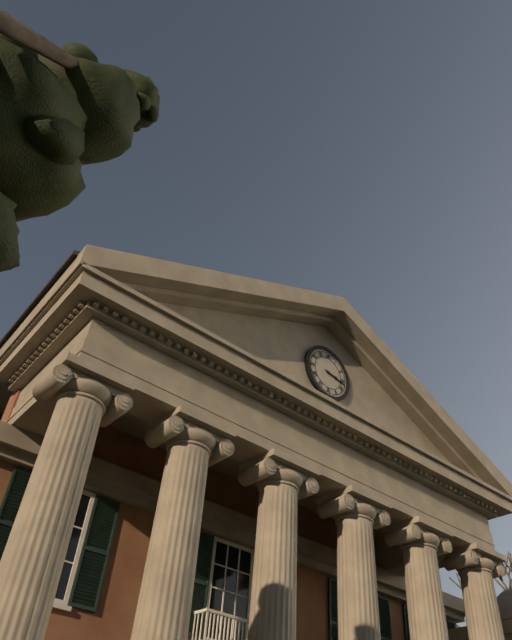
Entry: h=3 m=17
